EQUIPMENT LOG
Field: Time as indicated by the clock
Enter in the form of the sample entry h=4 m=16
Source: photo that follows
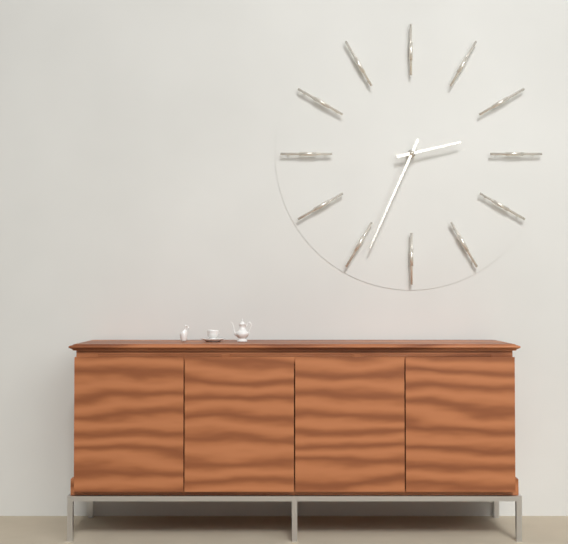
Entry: h=2 m=34
